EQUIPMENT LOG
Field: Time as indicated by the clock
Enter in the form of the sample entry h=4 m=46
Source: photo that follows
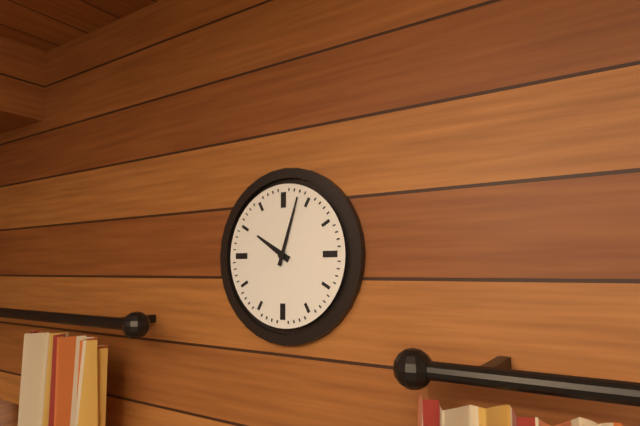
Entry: h=10 m=3
